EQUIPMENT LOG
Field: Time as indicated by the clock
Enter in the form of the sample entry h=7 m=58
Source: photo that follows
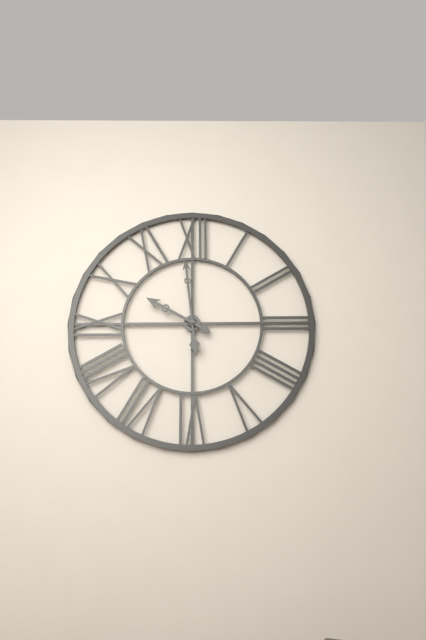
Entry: h=9 m=59
